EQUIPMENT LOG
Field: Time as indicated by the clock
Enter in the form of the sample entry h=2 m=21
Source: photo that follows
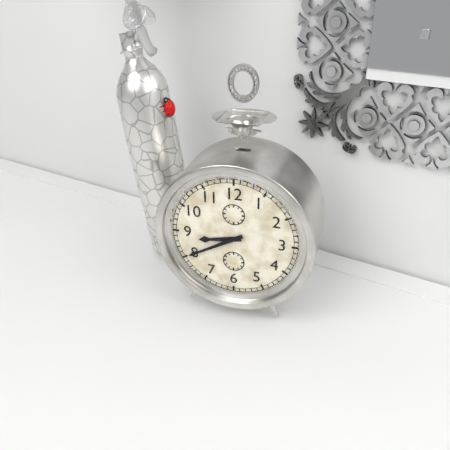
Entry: h=8 m=40
